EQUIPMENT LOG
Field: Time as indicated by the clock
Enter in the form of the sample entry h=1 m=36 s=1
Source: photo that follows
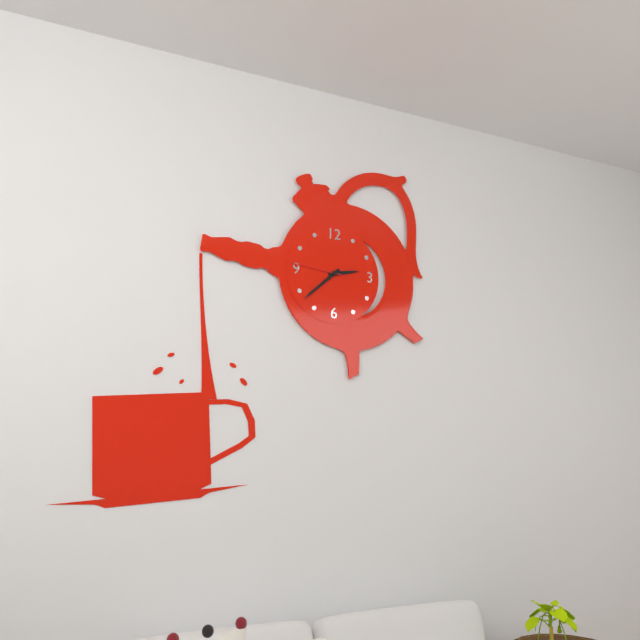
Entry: h=2 m=38 s=46
